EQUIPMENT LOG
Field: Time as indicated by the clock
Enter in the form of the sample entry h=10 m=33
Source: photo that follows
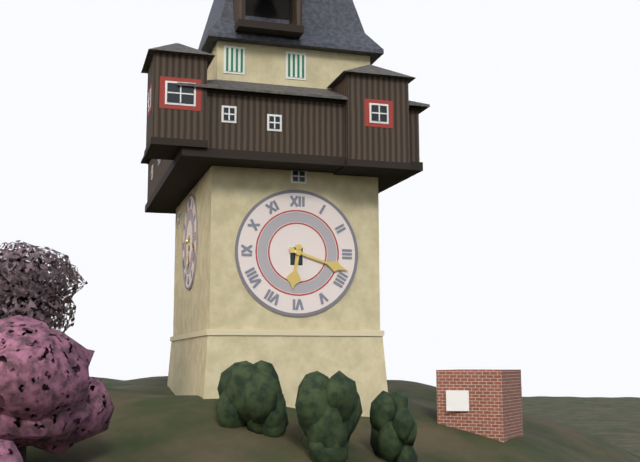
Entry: h=6 m=18
